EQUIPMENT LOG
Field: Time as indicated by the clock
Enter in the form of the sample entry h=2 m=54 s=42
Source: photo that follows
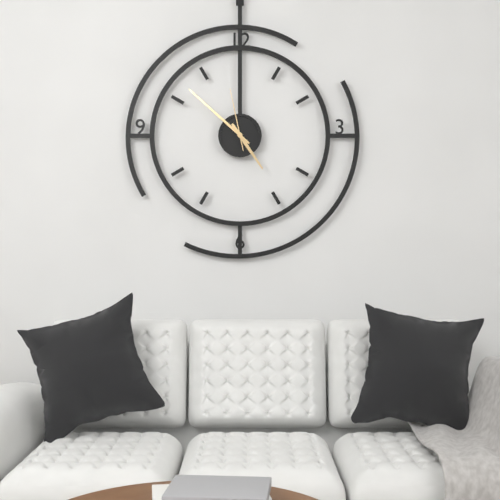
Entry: h=4 m=52 s=58
